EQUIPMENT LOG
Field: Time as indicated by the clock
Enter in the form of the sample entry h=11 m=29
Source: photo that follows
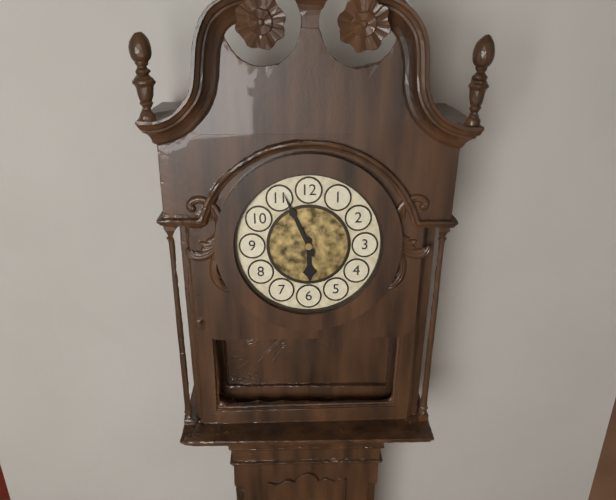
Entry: h=5 m=56
